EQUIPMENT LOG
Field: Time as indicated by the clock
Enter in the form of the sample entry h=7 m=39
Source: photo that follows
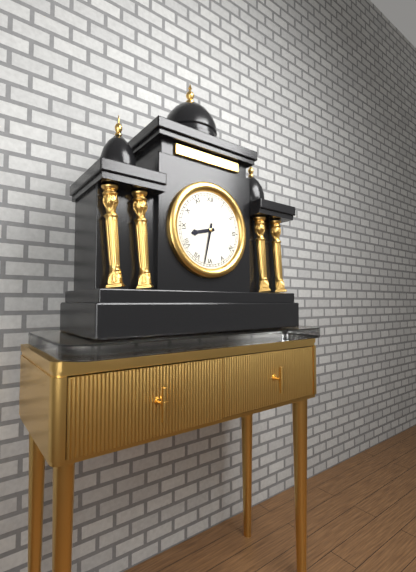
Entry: h=8 m=32
